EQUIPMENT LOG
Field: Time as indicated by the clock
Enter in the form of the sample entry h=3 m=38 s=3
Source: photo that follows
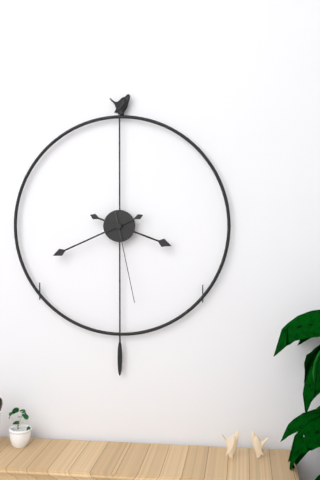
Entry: h=3 m=41 s=28
